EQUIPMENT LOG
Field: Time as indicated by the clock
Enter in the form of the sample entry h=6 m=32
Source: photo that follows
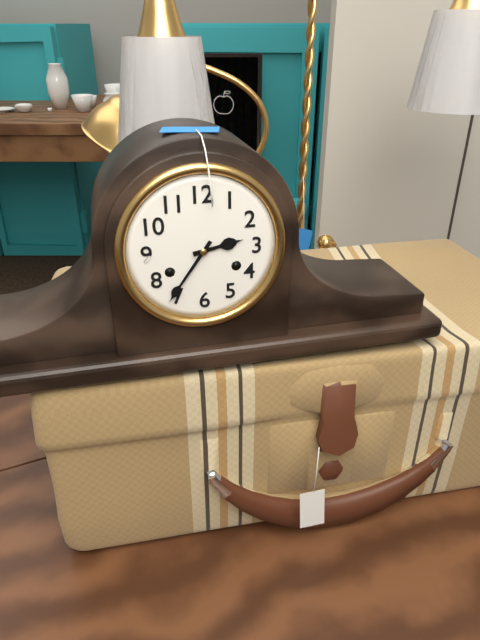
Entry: h=2 m=36
